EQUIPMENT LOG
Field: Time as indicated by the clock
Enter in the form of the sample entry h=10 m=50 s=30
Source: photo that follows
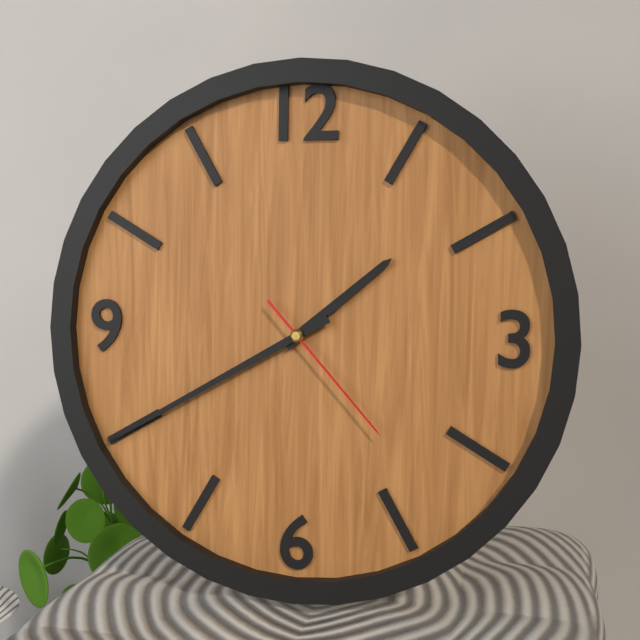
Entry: h=1 m=40 s=23
